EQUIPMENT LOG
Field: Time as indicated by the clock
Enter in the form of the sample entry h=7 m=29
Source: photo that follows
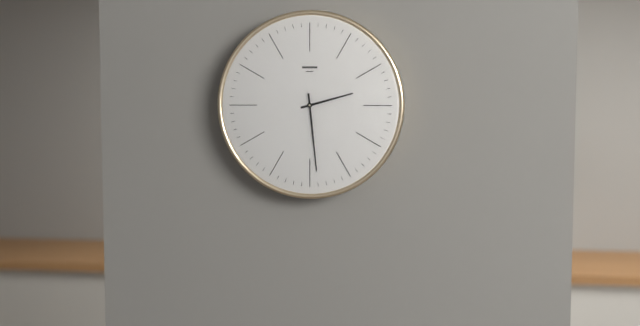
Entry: h=2 m=29
